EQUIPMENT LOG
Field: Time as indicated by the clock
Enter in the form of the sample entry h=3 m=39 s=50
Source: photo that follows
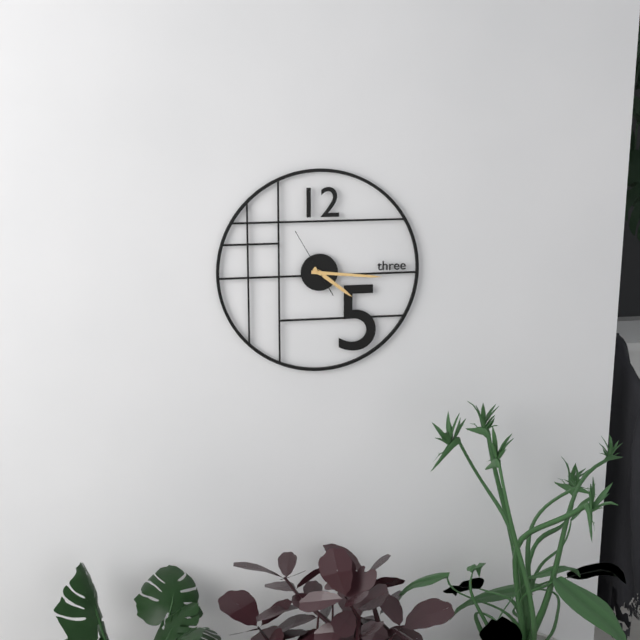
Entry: h=4 m=16 s=55
